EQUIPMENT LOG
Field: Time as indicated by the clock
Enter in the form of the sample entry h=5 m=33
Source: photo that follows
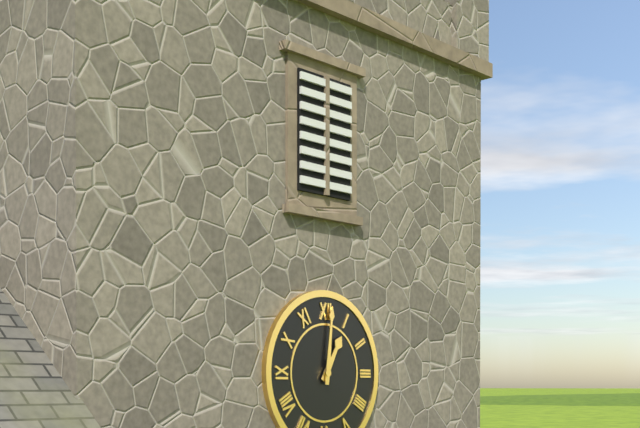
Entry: h=1 m=1
